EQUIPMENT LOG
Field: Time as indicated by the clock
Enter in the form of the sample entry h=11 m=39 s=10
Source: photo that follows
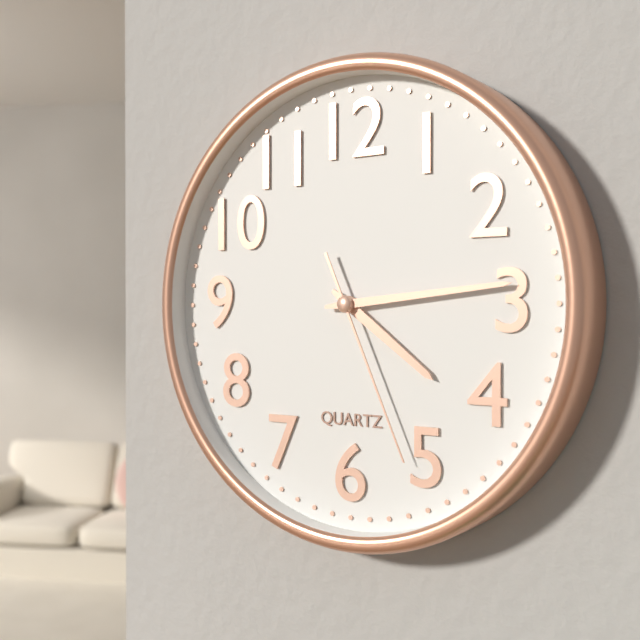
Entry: h=4 m=14 s=26
